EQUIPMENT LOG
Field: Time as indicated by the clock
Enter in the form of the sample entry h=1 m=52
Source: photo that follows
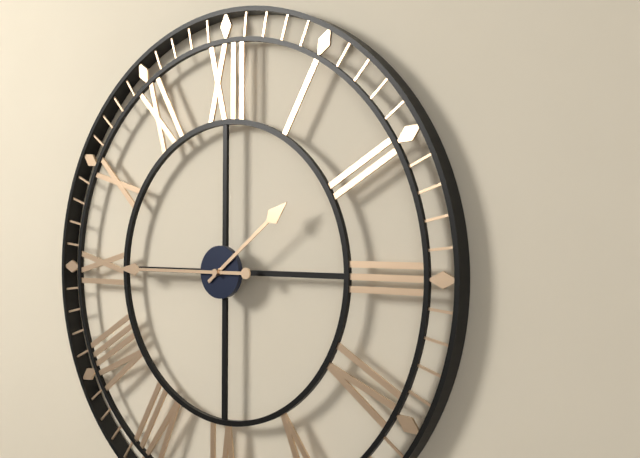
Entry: h=1 m=45
